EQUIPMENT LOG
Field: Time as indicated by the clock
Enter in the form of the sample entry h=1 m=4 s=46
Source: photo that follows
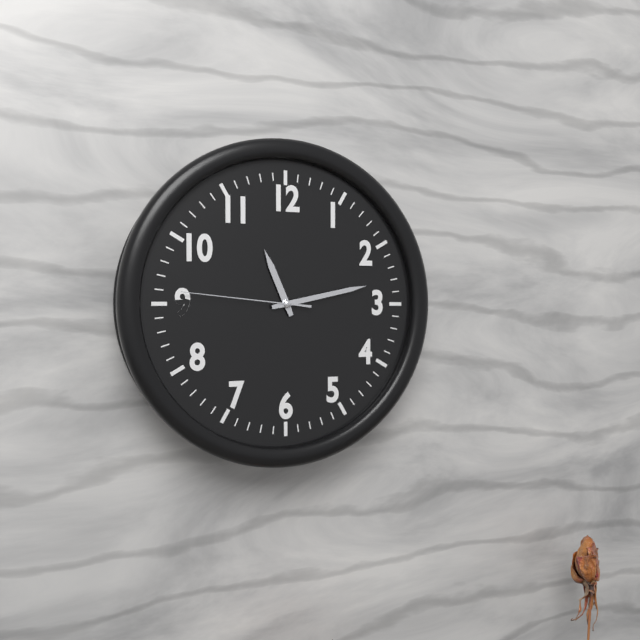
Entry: h=11 m=13 s=46
